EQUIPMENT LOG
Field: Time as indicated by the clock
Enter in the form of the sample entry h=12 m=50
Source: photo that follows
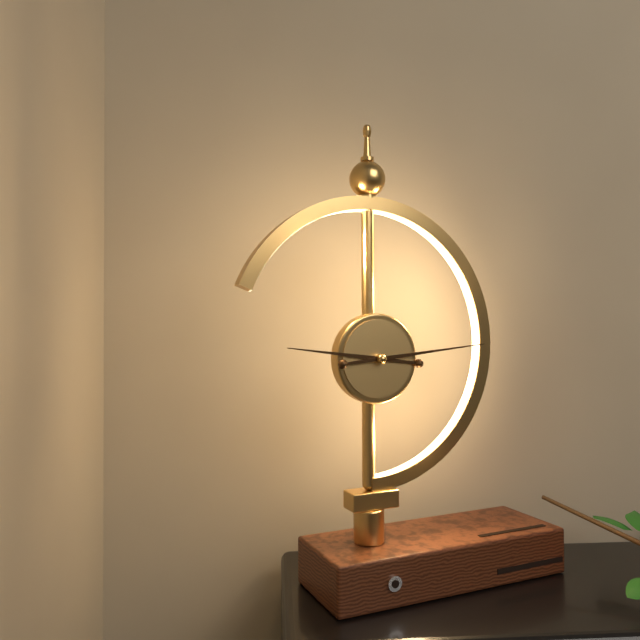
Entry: h=9 m=14
